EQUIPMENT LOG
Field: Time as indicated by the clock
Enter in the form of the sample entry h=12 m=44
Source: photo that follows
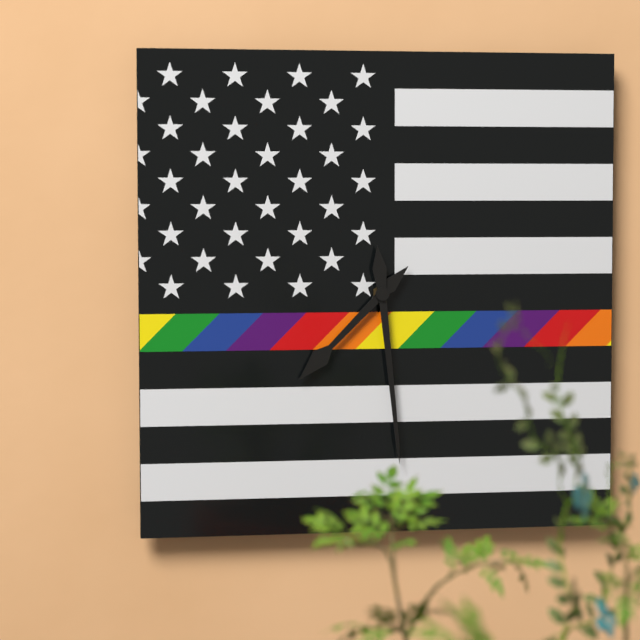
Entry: h=7 m=29
